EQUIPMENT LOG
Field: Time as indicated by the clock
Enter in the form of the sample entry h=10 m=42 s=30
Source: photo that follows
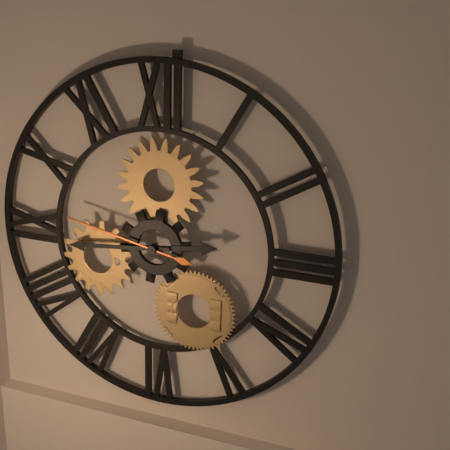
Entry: h=2 m=44 s=47
